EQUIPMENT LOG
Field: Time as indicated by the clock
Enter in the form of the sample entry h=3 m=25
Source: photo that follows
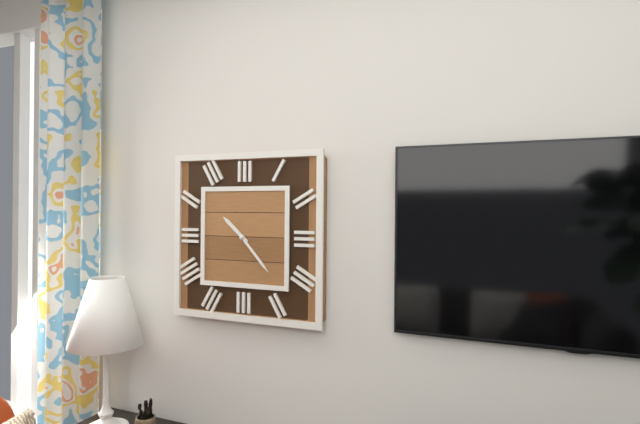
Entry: h=10 m=23
